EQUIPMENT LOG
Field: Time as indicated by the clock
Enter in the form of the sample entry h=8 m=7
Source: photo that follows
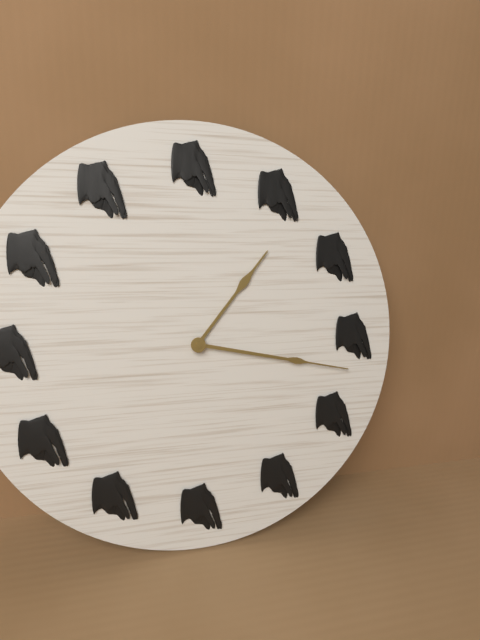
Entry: h=1 m=17
